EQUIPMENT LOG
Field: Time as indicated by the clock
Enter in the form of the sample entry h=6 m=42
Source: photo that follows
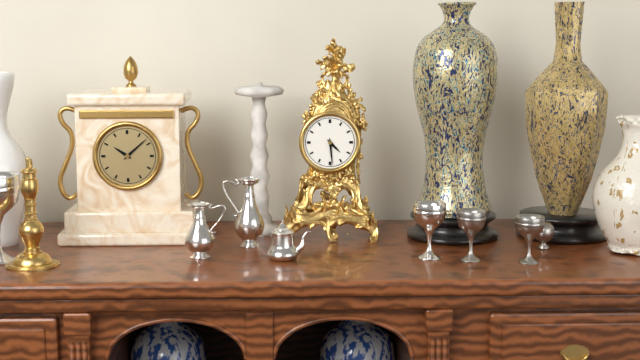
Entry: h=4 m=29
